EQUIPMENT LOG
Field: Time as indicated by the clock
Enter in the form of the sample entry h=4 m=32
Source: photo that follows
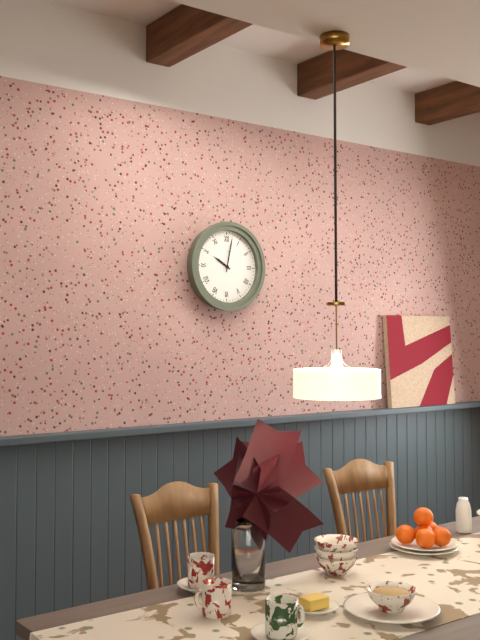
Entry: h=10 m=2
